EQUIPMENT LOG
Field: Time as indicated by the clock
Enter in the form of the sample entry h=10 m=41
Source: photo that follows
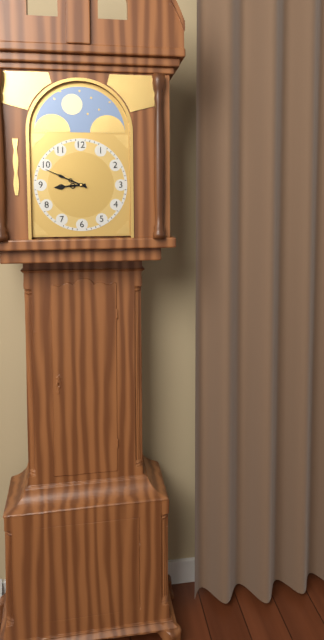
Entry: h=8 m=49
